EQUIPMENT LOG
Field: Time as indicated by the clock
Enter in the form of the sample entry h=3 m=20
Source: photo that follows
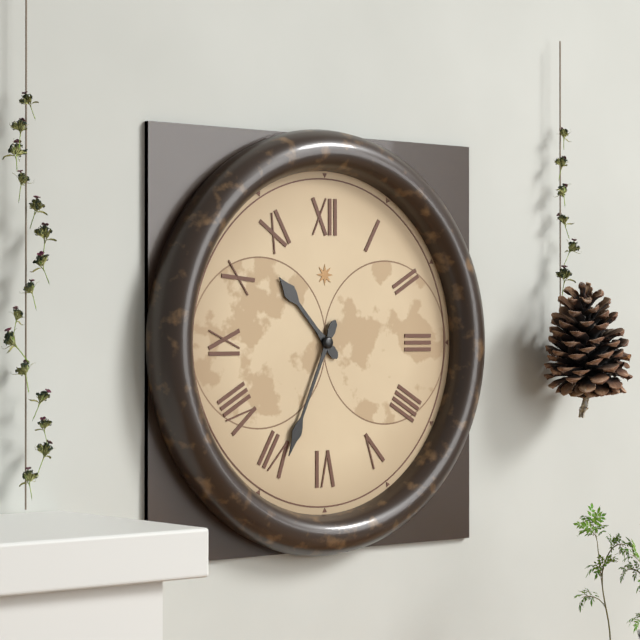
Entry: h=10 m=34
